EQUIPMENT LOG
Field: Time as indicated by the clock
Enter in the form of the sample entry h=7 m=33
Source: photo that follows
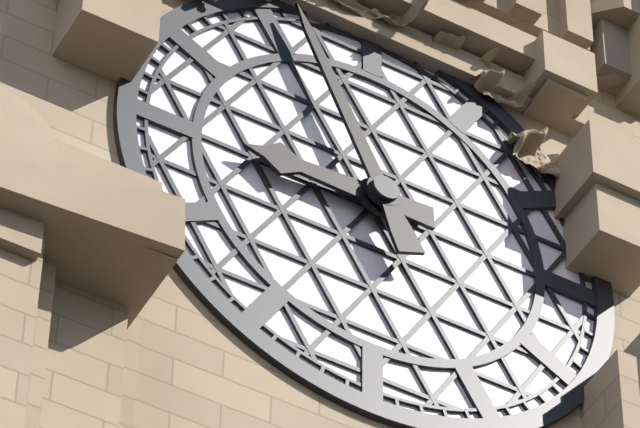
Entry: h=8 m=56
